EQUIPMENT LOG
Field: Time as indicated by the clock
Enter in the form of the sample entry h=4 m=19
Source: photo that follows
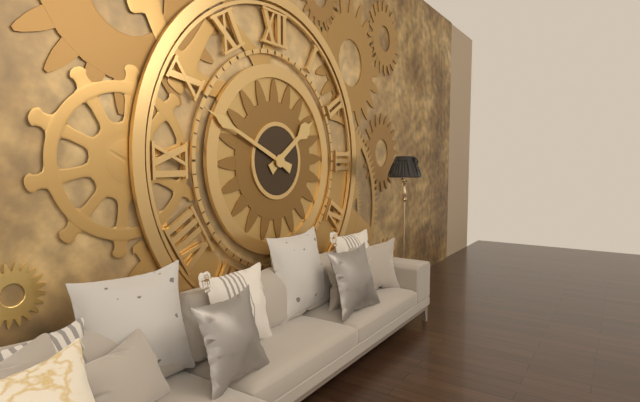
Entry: h=1 m=49
